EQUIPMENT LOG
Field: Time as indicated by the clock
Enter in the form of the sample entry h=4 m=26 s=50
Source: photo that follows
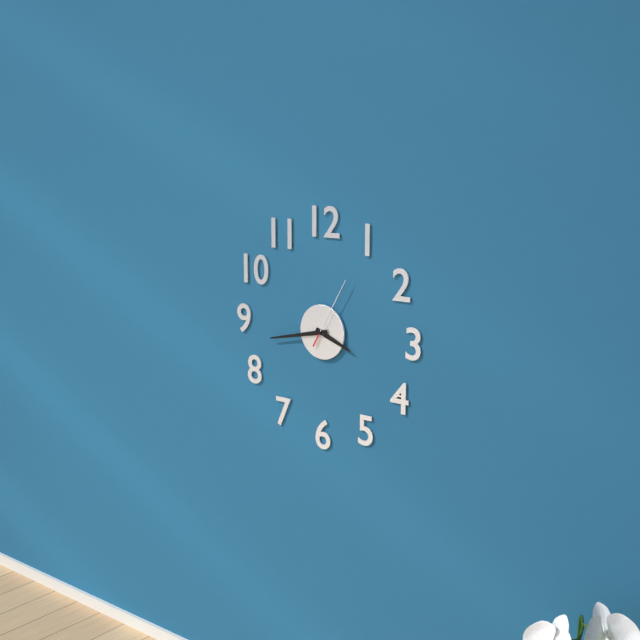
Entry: h=3 m=43 s=5
